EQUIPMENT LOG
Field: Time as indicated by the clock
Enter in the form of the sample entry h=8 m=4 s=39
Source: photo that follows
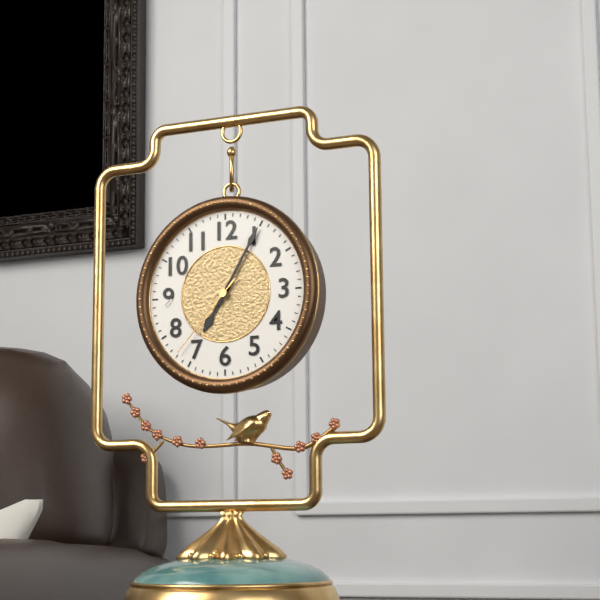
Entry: h=7 m=5 s=37
